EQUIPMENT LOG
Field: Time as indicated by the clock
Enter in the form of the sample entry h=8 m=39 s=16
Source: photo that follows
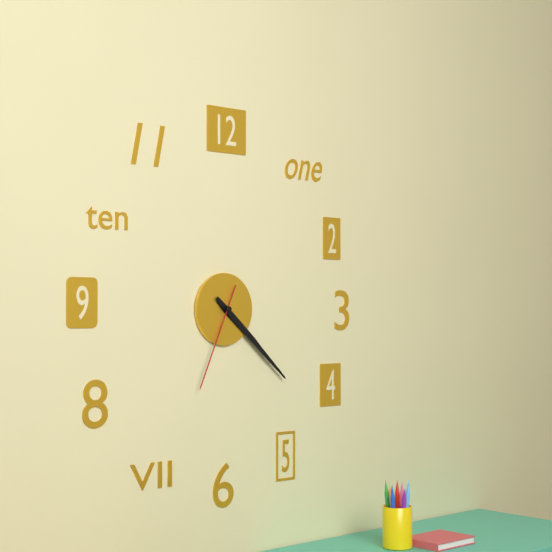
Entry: h=4 m=22 s=34
